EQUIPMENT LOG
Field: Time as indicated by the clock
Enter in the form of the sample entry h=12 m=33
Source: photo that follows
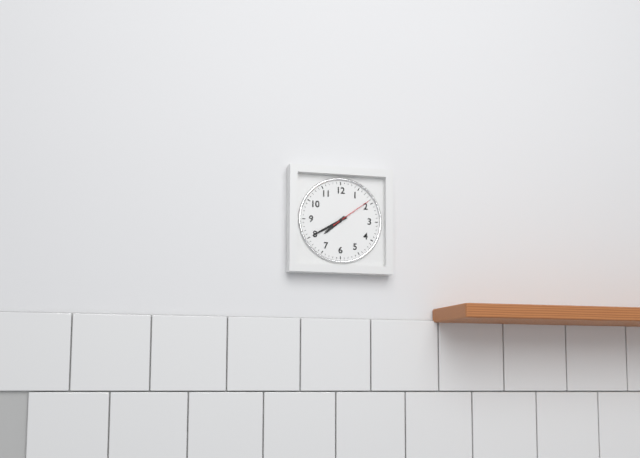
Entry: h=7 m=40
